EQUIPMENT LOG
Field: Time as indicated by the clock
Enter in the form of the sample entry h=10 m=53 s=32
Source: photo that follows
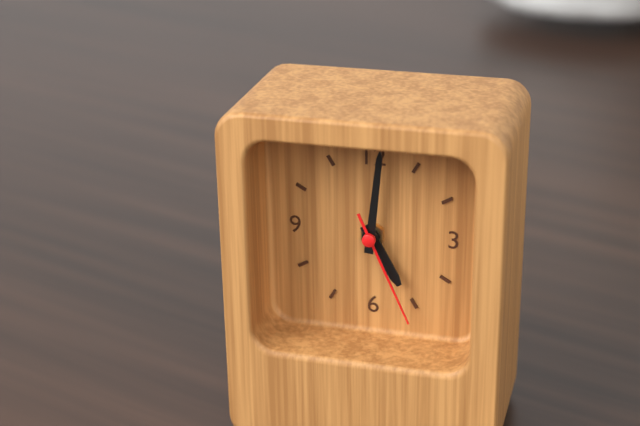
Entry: h=5 m=1 s=26
